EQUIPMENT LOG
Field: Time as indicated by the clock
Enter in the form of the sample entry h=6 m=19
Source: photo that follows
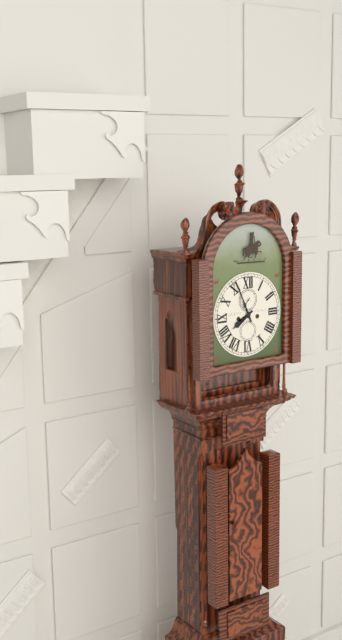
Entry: h=7 m=56
